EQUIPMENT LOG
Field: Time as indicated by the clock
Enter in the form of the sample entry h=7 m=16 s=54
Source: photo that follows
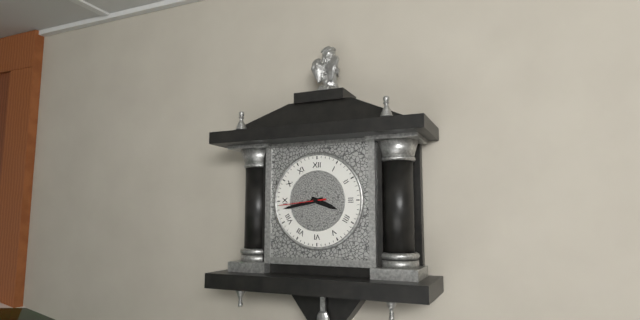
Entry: h=3 m=43 s=44
